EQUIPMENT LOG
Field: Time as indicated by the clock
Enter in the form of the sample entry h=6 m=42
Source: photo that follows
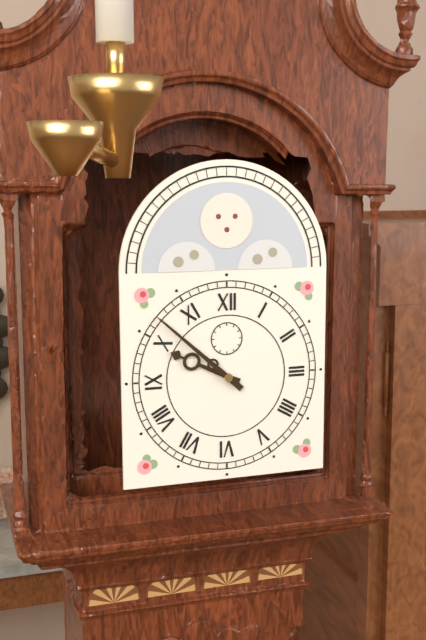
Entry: h=9 m=52
